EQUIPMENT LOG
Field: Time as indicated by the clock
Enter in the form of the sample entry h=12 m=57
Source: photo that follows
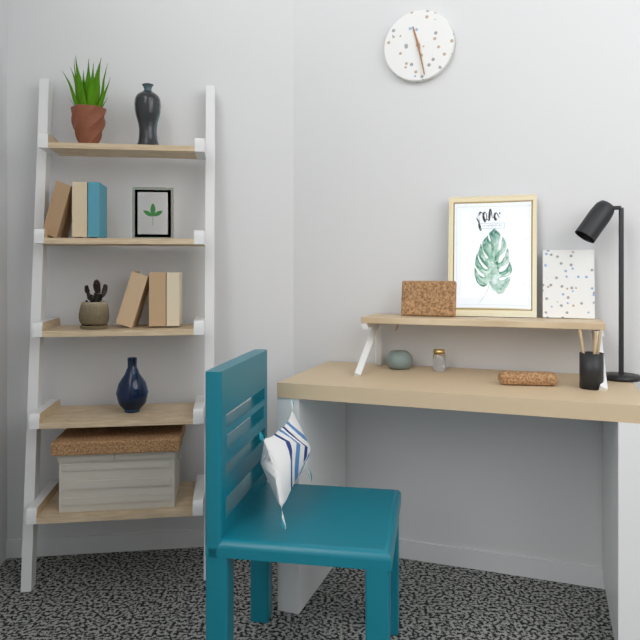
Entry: h=11 m=28
